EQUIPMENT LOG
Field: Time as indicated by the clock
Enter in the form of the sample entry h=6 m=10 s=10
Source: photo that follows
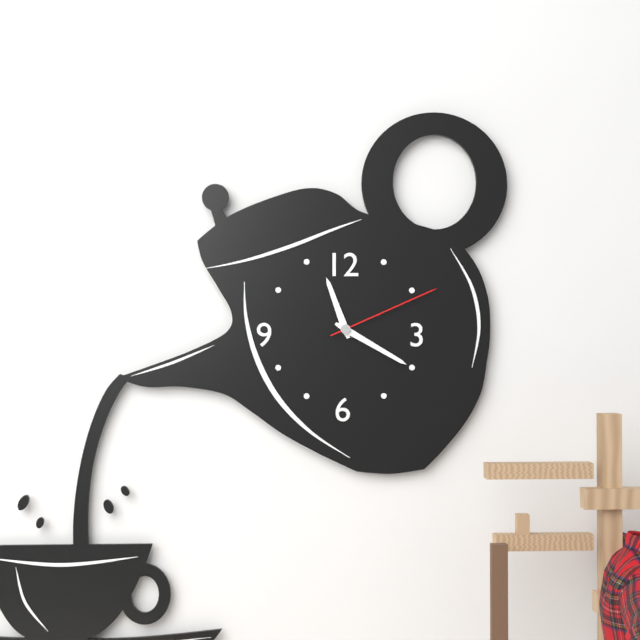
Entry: h=11 m=20 s=11
